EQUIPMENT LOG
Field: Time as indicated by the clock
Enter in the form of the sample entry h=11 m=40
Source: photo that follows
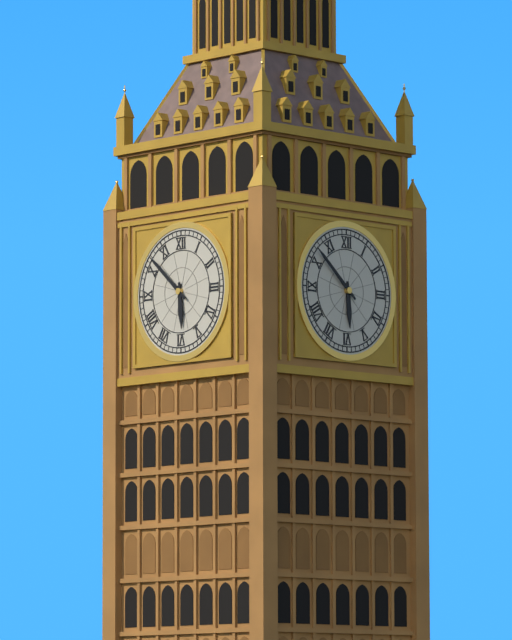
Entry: h=5 m=52
